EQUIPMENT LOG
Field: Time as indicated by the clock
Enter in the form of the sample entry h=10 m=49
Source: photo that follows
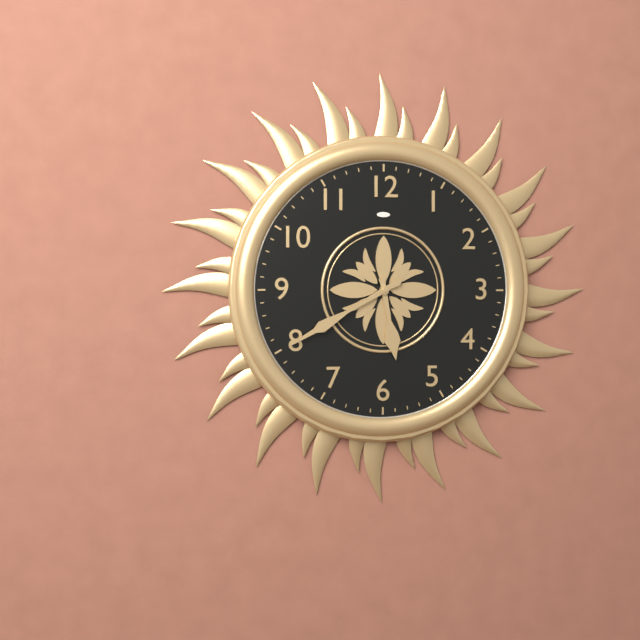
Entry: h=5 m=40
